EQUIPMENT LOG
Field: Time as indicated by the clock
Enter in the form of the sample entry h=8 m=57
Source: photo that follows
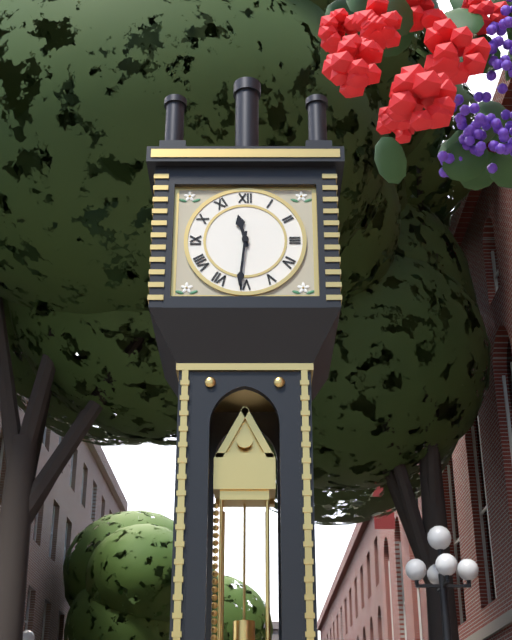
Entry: h=11 m=31
